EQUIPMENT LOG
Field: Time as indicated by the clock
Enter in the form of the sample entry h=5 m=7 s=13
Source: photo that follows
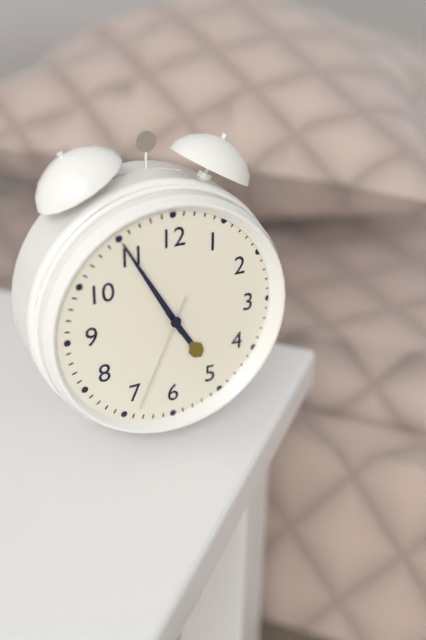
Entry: h=4 m=55 s=34
